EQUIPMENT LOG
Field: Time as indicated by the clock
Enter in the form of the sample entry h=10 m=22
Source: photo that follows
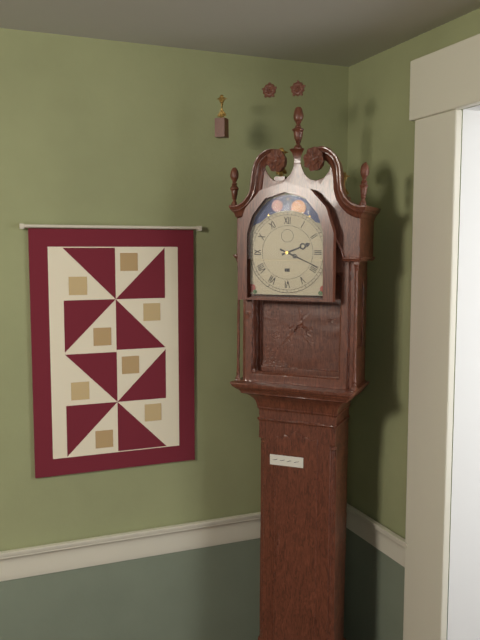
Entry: h=2 m=19
